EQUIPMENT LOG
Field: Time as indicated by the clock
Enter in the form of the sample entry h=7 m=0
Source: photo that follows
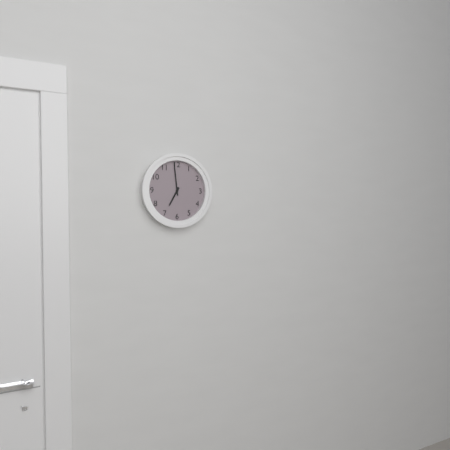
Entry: h=6 m=59
